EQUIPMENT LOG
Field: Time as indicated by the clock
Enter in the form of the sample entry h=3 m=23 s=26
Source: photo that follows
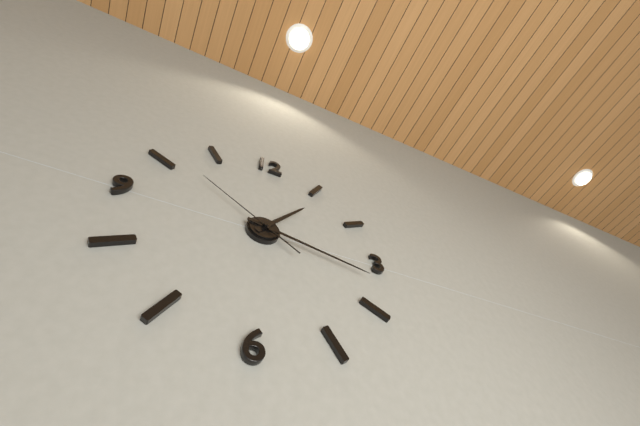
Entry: h=1 m=17 s=51
